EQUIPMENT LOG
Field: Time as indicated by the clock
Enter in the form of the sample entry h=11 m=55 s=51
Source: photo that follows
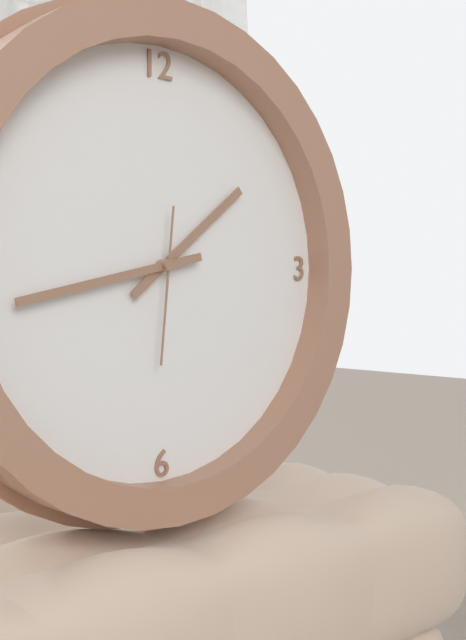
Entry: h=1 m=43 s=31
